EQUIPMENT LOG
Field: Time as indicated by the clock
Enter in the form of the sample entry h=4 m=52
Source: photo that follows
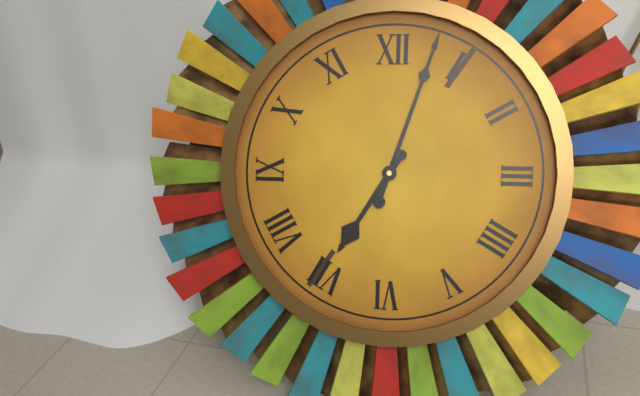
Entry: h=7 m=3
